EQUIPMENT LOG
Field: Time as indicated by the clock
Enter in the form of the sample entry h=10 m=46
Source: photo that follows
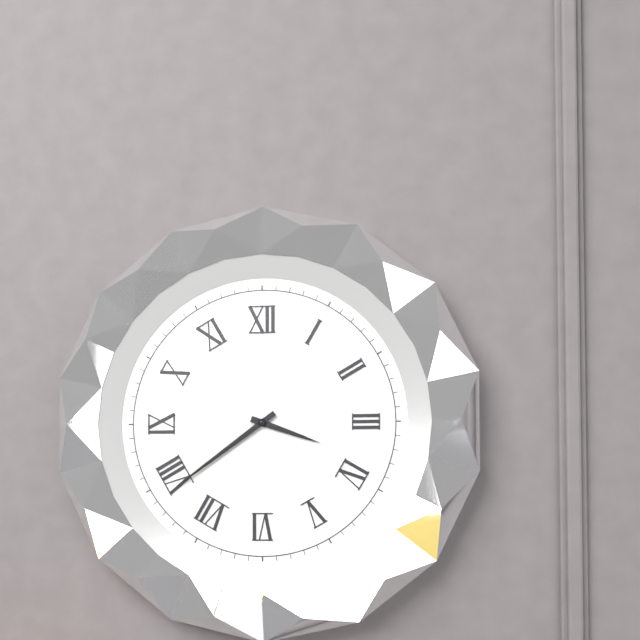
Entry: h=3 m=39
